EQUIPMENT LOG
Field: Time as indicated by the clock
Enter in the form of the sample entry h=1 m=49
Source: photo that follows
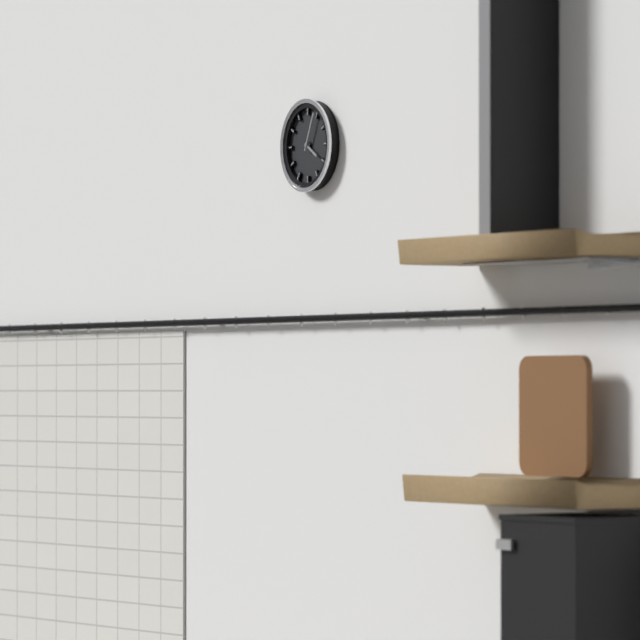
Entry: h=4 m=4
